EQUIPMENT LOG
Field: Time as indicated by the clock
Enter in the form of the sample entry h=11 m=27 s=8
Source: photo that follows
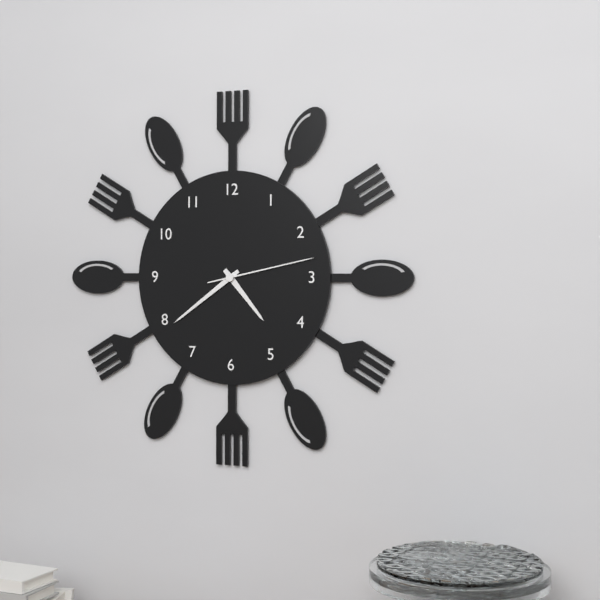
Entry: h=4 m=39 s=13
